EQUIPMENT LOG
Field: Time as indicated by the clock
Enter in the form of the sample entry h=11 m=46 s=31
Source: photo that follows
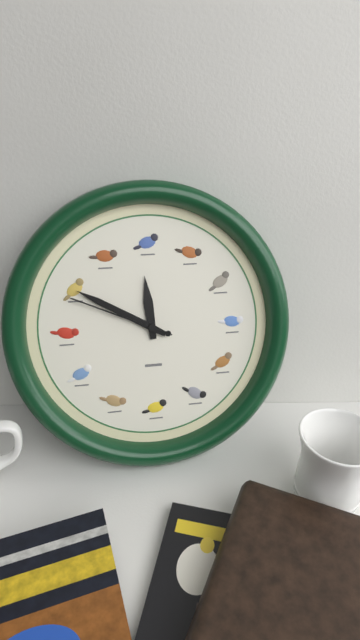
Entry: h=11 m=50 s=49
